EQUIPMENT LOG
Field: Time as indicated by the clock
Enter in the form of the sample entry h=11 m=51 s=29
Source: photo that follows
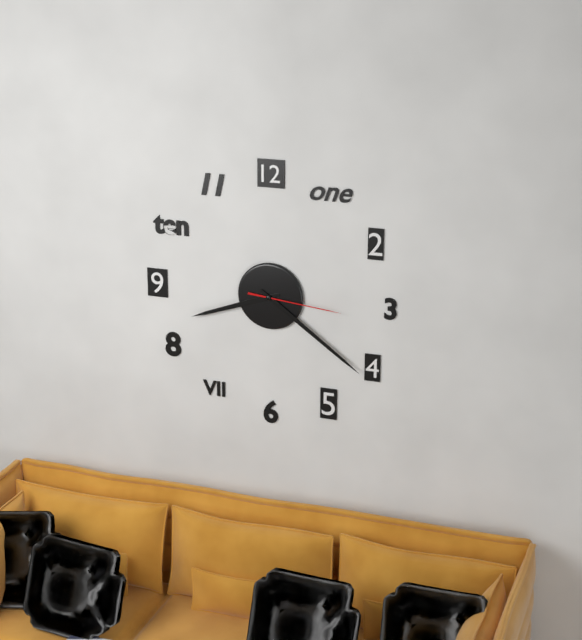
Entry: h=8 m=21 s=16
